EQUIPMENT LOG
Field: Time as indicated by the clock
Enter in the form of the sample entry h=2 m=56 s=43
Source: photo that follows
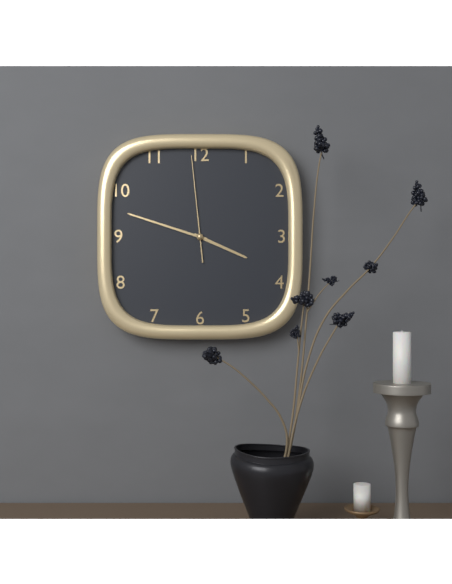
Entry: h=3 m=48 s=59
